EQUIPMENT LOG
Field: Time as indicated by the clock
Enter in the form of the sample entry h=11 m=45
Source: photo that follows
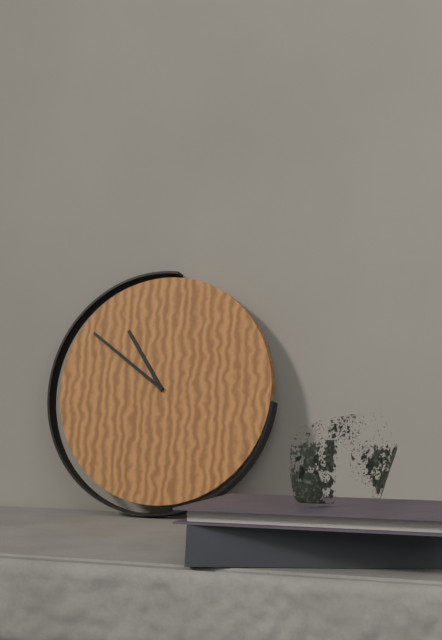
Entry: h=10 m=51
